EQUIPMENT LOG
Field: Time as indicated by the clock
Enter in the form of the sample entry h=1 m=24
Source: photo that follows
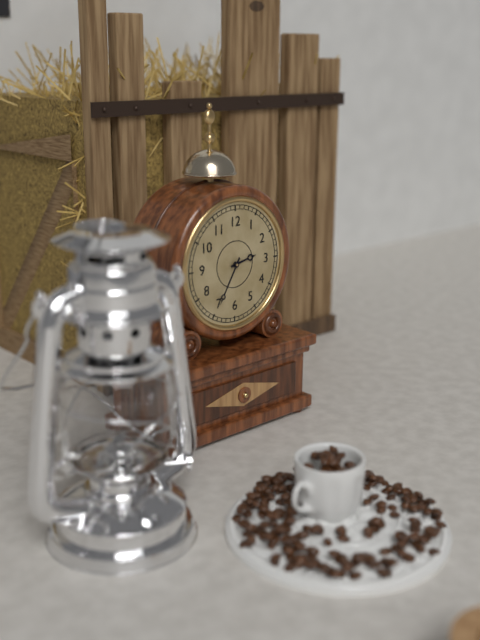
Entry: h=2 m=35
